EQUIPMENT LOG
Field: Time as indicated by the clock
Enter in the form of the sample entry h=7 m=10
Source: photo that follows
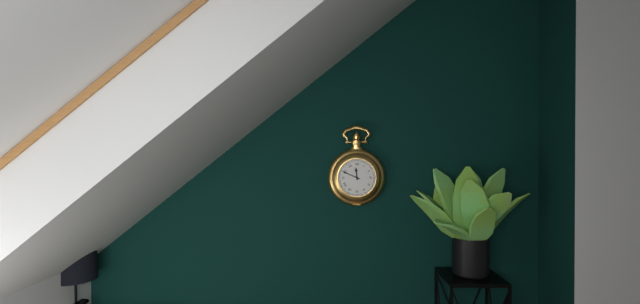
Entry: h=11 m=49
